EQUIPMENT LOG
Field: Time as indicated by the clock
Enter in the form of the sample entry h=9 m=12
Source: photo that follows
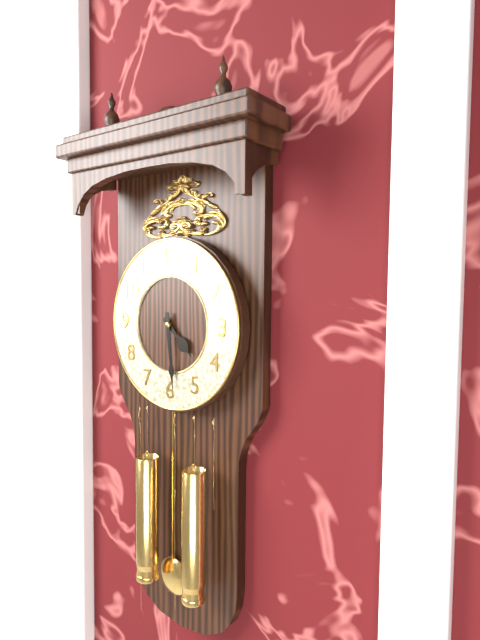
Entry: h=4 m=29
